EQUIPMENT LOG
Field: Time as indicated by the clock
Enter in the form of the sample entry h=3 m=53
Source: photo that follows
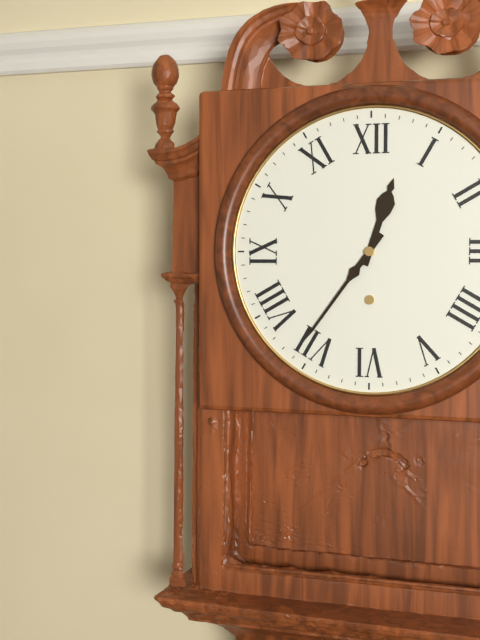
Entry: h=12 m=36
